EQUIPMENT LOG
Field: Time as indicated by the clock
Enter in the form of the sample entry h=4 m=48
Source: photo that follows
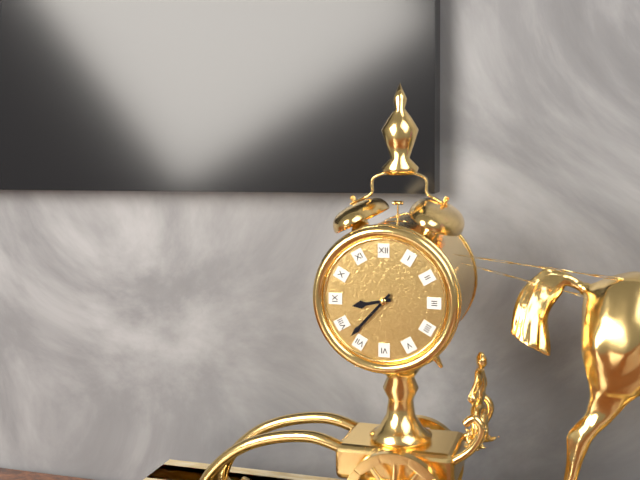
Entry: h=8 m=37
